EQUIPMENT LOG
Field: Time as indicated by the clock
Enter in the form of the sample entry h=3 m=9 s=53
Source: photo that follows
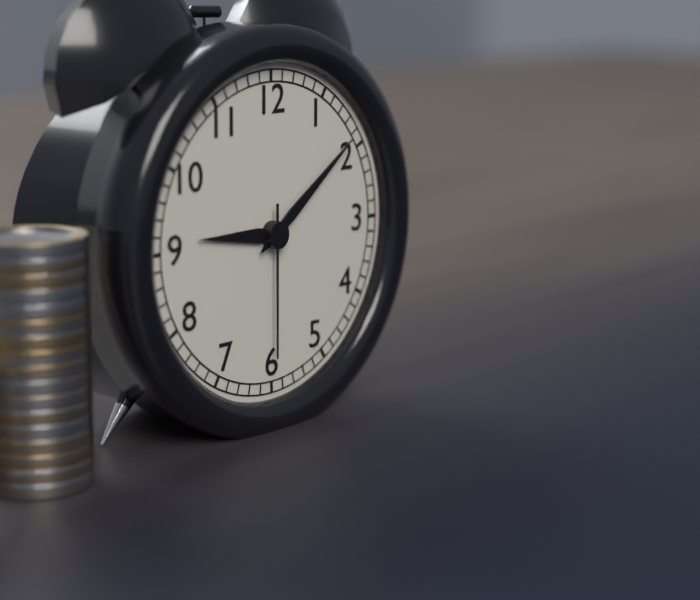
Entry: h=9 m=9 s=30
